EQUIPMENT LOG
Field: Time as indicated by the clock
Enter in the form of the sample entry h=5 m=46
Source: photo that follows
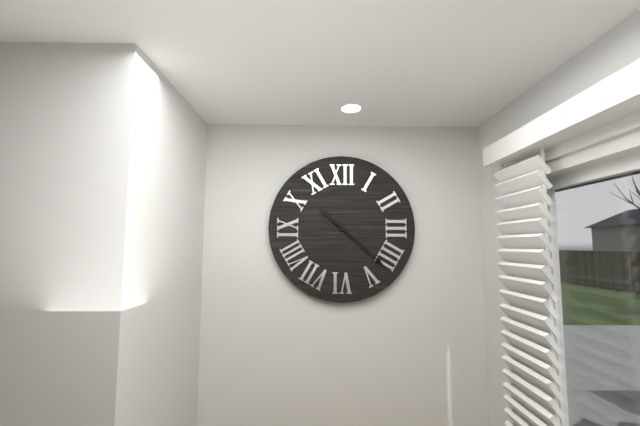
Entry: h=10 m=22
